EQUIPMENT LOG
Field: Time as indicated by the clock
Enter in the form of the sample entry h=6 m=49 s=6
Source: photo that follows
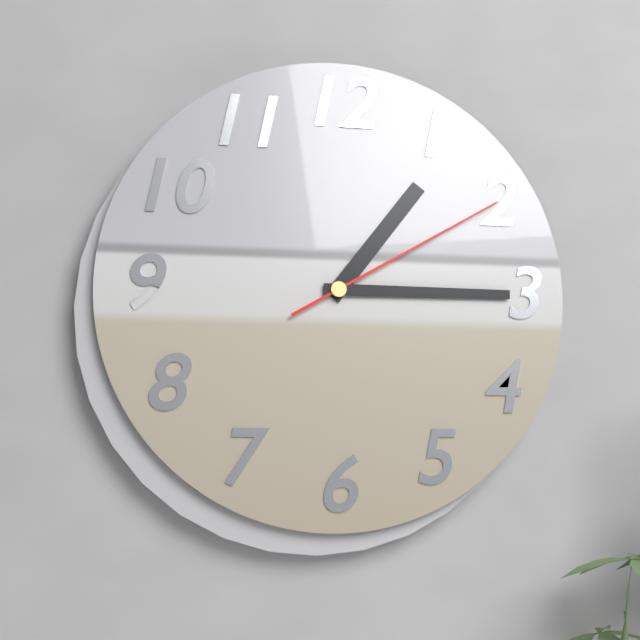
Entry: h=1 m=15 s=10
